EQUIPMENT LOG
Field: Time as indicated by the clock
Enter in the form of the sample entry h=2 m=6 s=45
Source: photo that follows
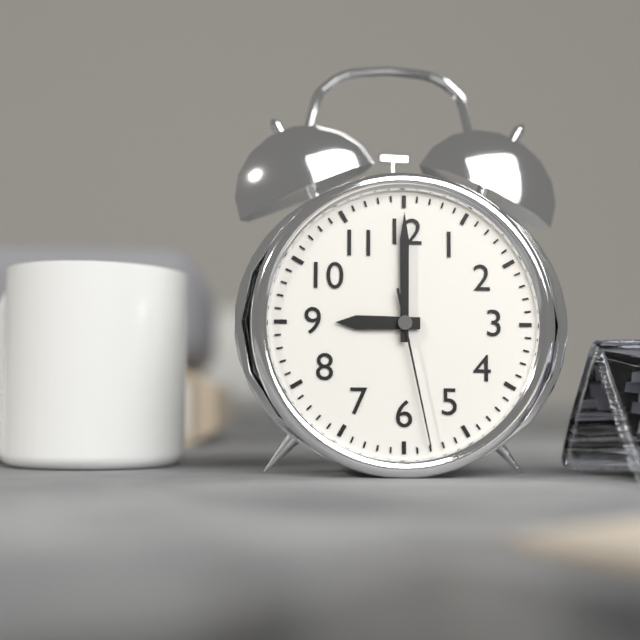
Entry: h=9 m=0 s=28
